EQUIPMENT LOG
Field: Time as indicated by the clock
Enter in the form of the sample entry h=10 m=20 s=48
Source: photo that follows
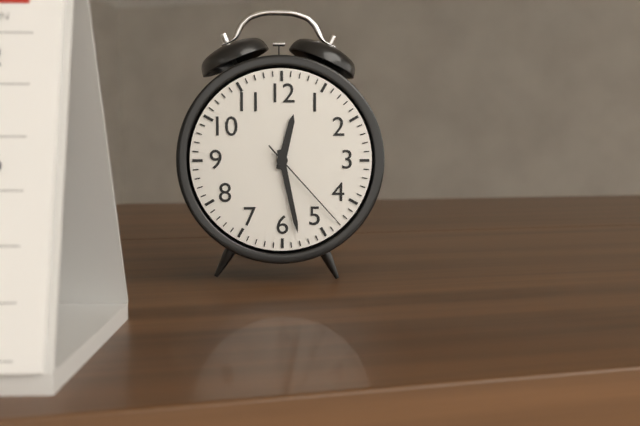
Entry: h=12 m=28 s=23
